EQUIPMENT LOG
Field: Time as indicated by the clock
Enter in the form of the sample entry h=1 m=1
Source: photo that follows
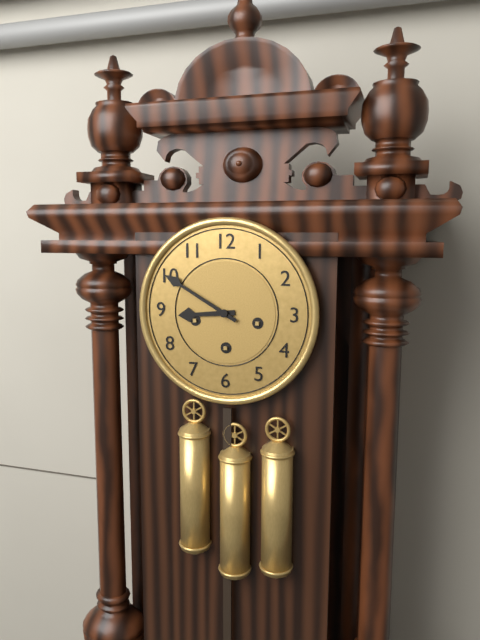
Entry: h=8 m=50
